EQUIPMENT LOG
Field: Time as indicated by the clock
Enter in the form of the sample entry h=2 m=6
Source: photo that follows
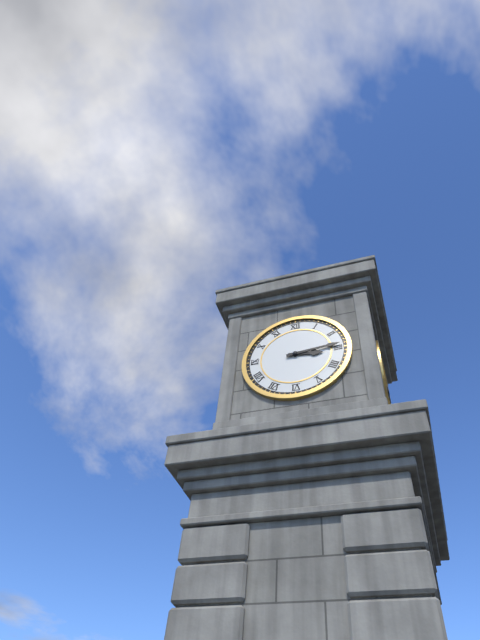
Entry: h=3 m=14
